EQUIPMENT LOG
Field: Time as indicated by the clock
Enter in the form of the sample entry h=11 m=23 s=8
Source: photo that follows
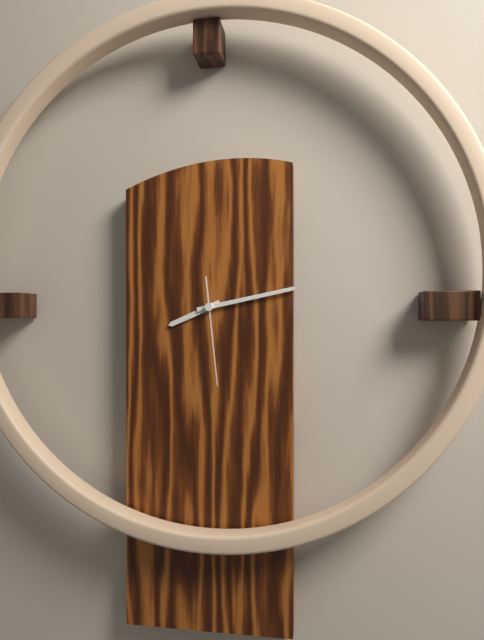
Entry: h=8 m=13 s=29
